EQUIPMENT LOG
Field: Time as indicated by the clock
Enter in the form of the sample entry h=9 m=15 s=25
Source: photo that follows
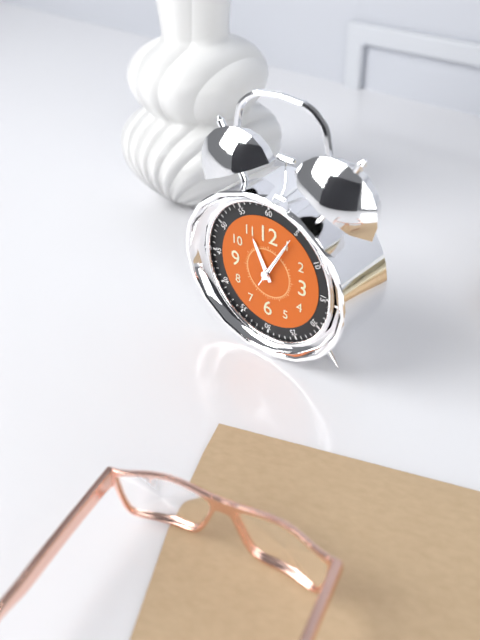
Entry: h=11 m=5 s=5
